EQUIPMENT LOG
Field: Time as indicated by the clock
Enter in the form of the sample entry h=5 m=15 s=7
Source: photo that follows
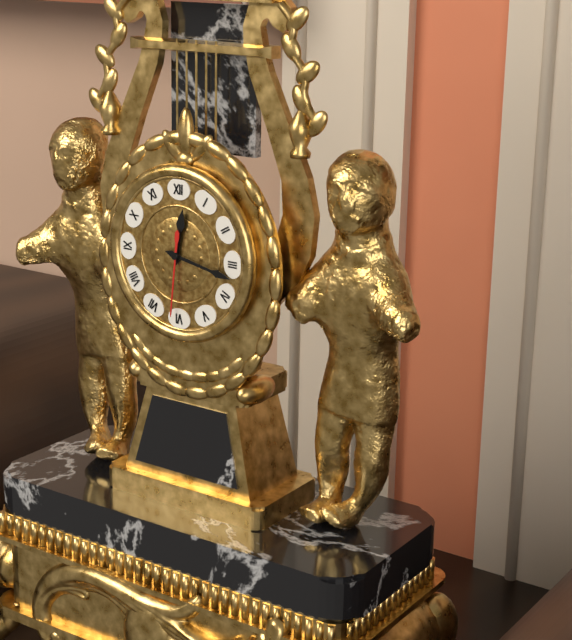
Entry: h=12 m=17 s=31
